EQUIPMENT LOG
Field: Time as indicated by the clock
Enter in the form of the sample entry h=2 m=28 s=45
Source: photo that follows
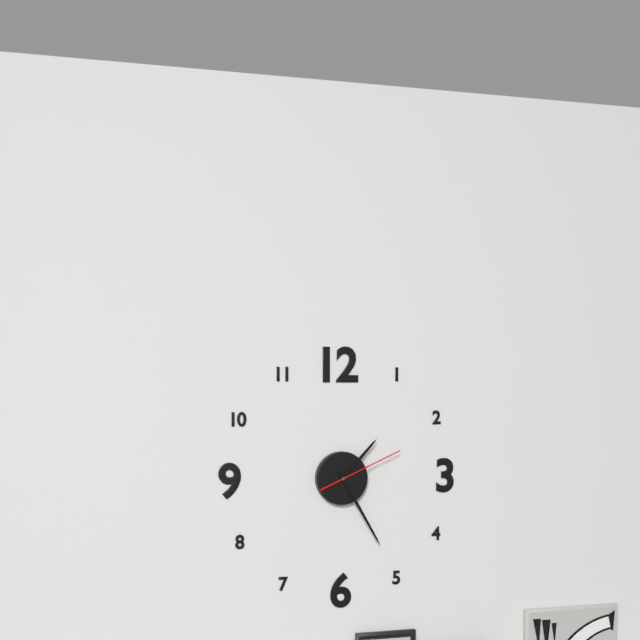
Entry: h=1 m=25 s=11
